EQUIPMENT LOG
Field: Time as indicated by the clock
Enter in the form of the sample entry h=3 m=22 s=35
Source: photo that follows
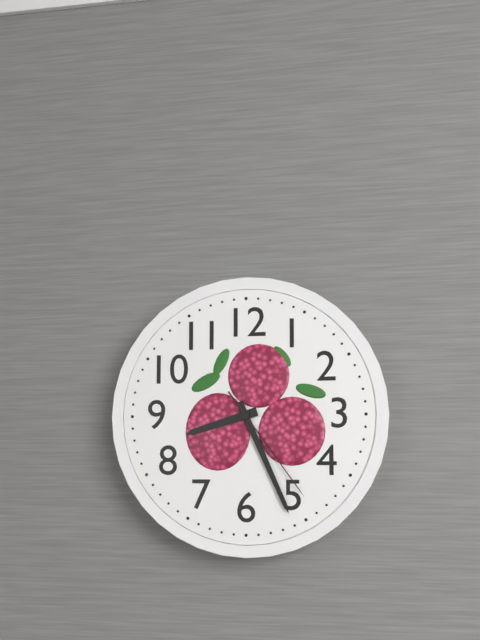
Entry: h=8 m=26 s=24
